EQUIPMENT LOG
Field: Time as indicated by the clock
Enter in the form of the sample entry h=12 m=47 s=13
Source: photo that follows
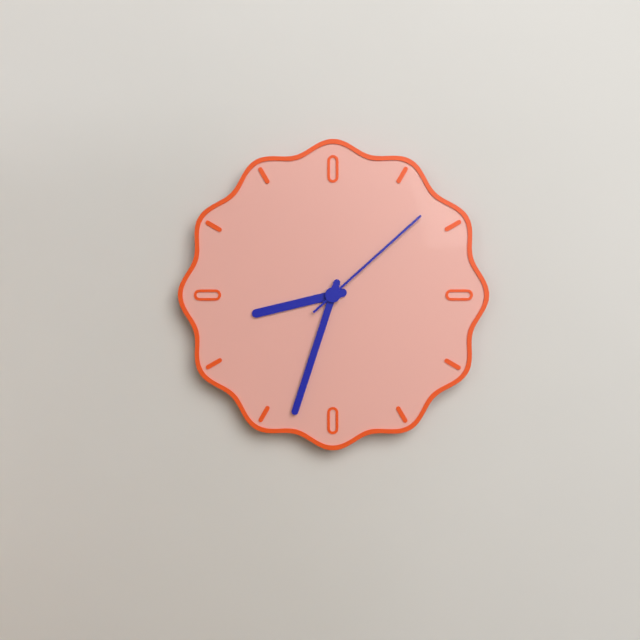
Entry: h=8 m=33 s=8
